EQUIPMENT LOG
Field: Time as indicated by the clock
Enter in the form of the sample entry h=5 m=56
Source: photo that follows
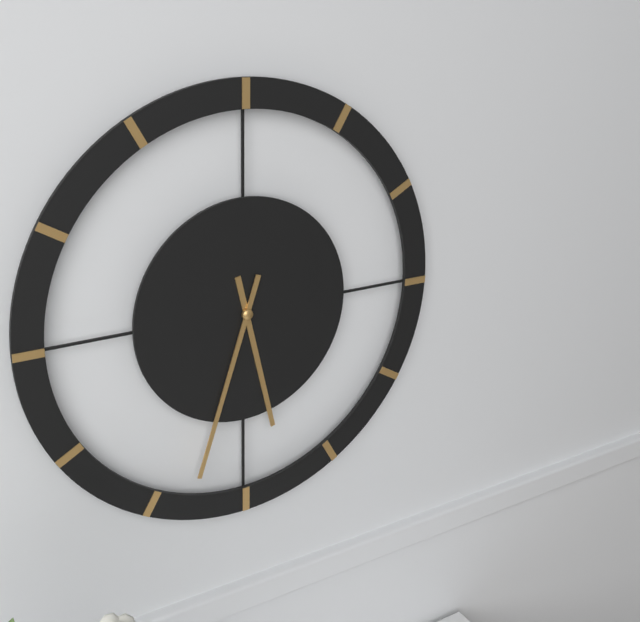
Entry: h=5 m=33
